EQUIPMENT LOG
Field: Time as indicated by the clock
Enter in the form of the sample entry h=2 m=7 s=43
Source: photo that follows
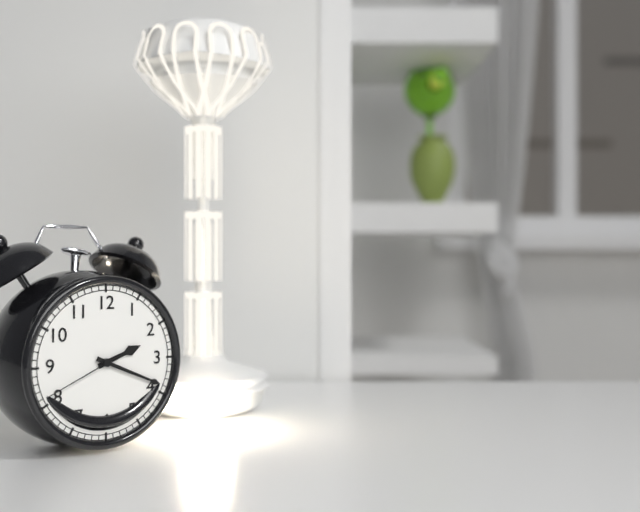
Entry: h=2 m=19 s=41
